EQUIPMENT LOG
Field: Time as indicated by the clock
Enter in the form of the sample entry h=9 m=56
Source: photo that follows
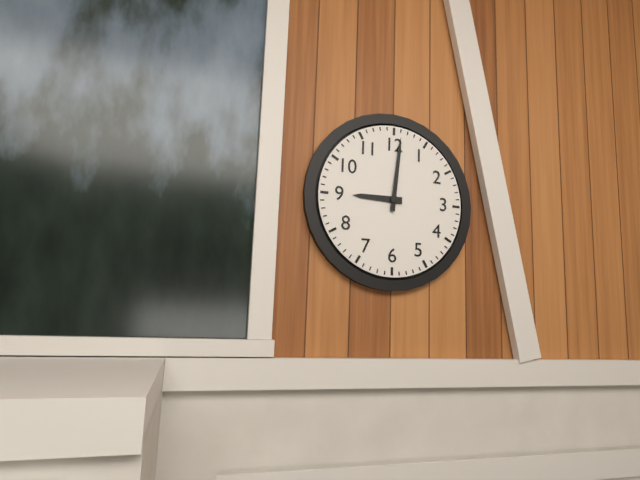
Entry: h=9 m=1
